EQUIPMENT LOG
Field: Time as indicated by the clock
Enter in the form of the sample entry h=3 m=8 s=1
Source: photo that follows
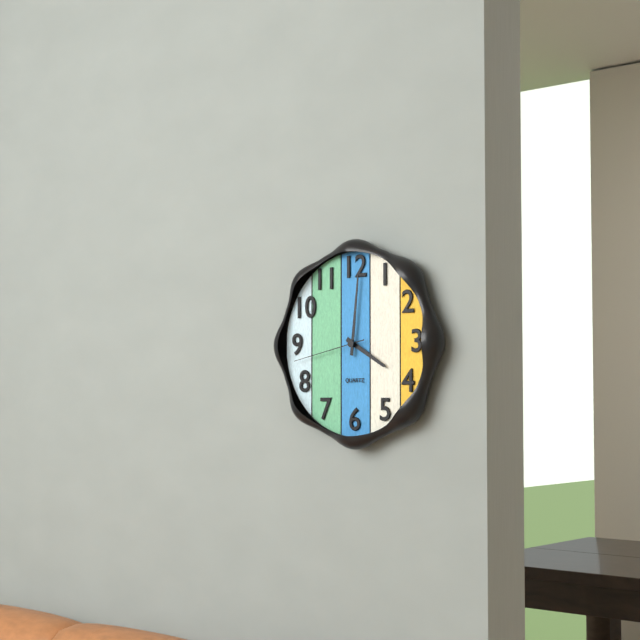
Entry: h=4 m=1 s=43
